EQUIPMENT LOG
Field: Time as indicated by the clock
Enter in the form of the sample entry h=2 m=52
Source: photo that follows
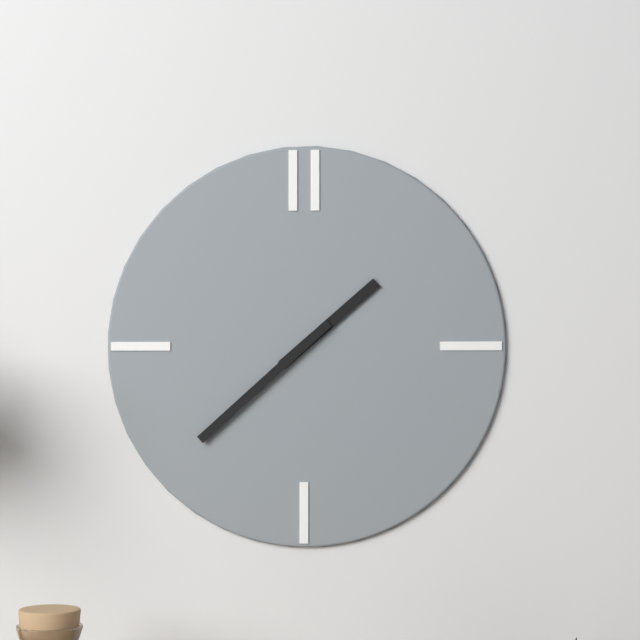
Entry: h=1 m=38
